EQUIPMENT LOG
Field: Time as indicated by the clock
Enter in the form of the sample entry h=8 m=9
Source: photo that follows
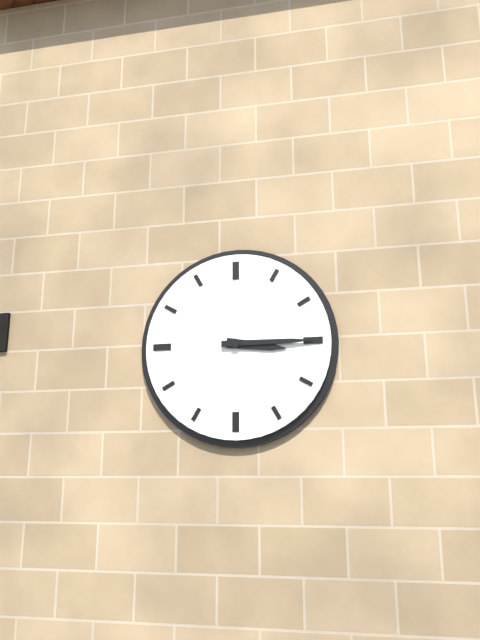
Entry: h=3 m=15
